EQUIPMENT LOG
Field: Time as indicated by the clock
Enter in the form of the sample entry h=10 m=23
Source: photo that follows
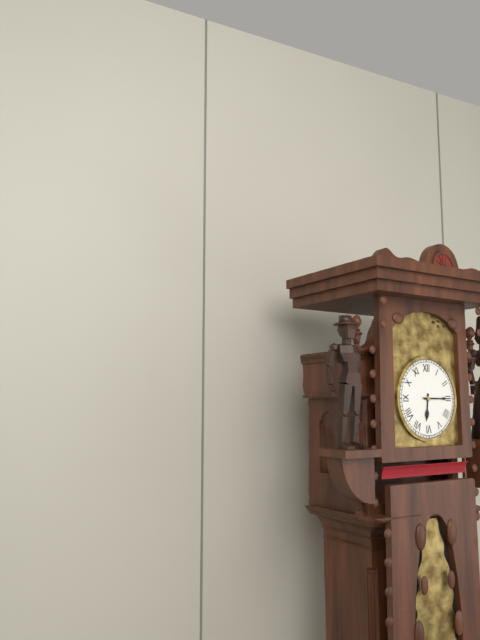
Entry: h=6 m=15
